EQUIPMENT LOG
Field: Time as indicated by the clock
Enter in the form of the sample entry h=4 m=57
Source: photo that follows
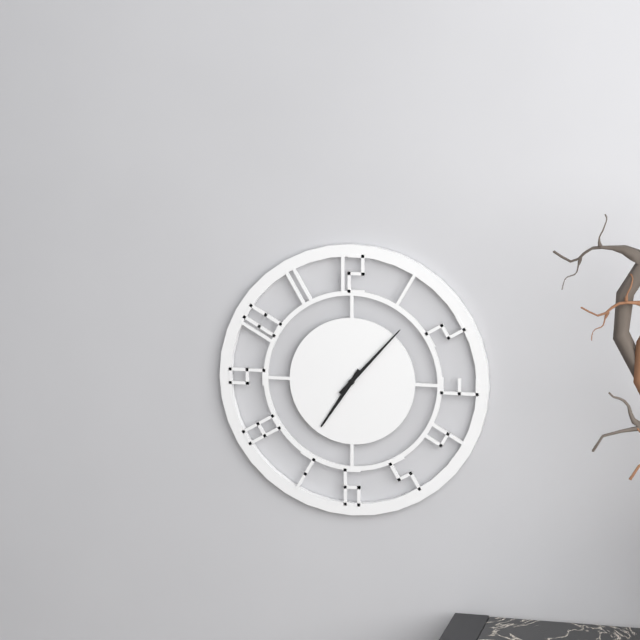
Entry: h=7 m=7
